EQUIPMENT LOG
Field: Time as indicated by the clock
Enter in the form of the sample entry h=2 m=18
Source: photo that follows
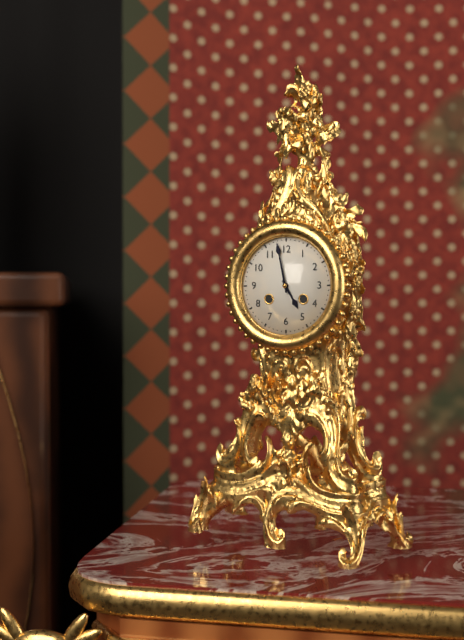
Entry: h=4 m=58
